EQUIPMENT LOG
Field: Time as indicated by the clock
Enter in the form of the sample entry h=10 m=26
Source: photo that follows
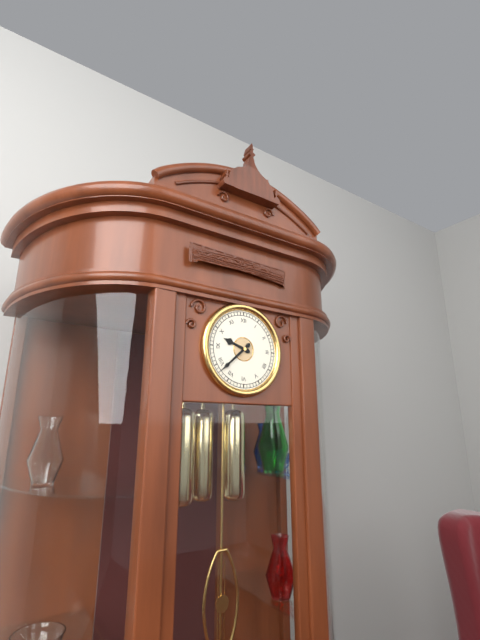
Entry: h=9 m=38
